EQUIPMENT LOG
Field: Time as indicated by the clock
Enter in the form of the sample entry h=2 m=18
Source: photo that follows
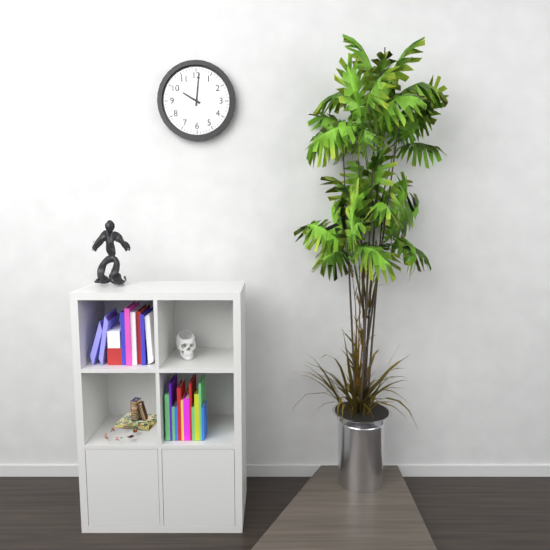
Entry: h=10 m=1
